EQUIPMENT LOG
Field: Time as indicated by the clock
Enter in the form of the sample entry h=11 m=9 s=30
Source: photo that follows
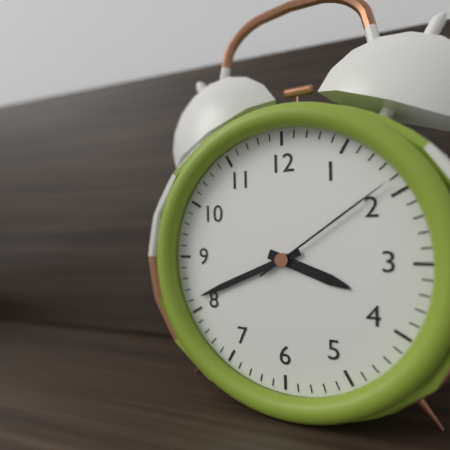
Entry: h=3 m=41 s=9
